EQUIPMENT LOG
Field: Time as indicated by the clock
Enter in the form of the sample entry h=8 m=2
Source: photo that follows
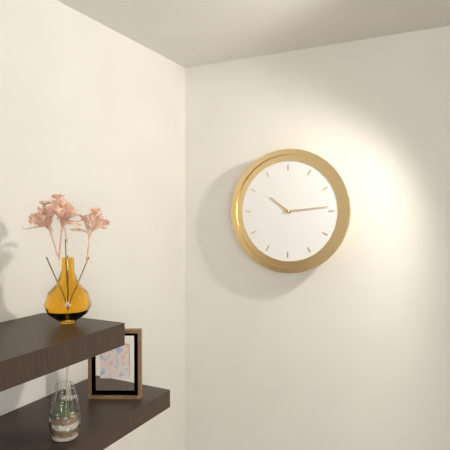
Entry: h=10 m=14
